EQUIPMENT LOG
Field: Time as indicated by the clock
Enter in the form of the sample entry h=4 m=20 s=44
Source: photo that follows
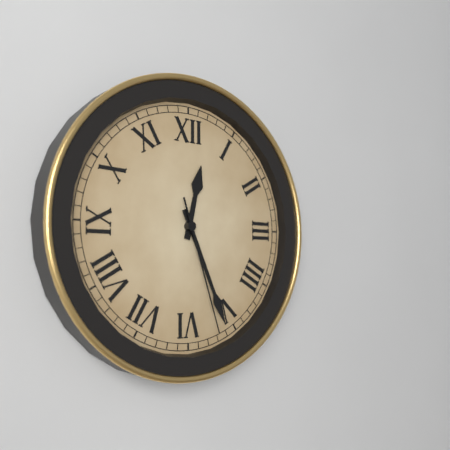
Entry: h=12 m=26 s=27
